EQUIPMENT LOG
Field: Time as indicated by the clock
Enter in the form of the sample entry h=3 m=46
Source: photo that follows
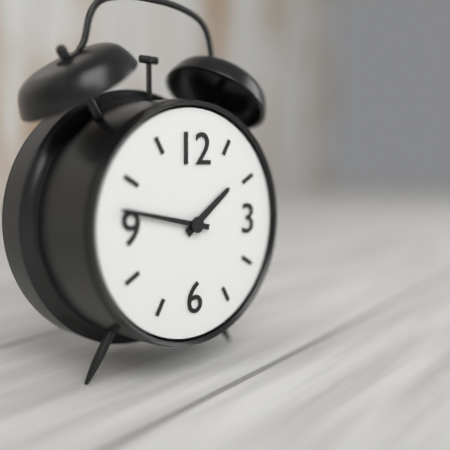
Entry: h=1 m=47
